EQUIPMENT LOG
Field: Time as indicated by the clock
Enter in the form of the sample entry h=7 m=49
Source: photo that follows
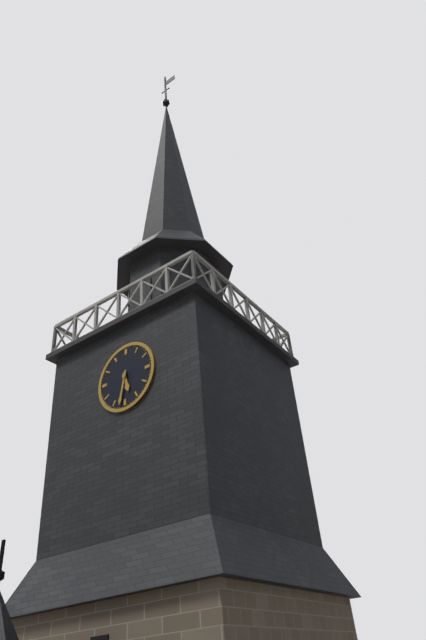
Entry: h=5 m=32
